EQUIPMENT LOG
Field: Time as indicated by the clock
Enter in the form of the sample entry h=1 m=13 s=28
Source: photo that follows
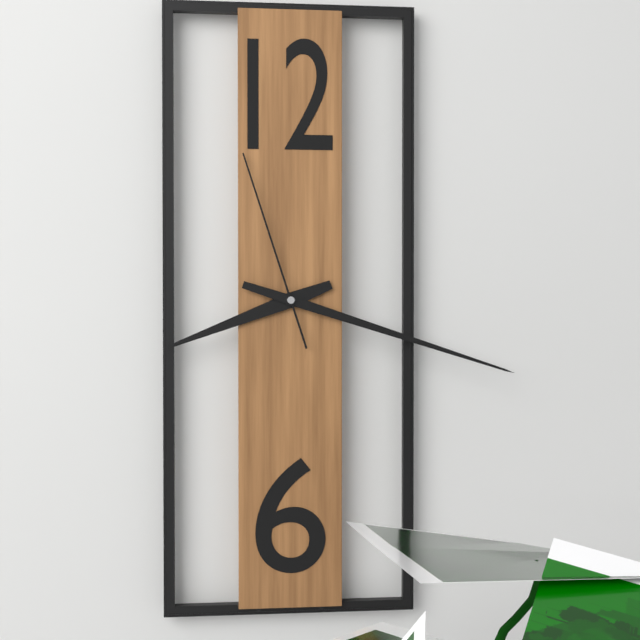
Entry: h=8 m=18 s=57
